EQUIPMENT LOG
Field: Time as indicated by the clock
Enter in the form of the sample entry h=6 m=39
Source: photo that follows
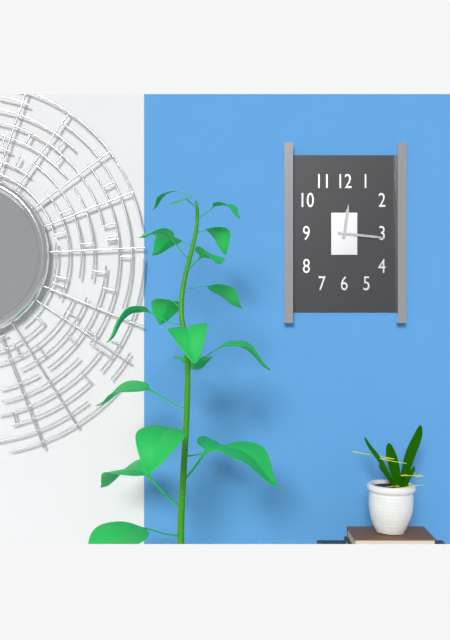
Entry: h=12 m=16
